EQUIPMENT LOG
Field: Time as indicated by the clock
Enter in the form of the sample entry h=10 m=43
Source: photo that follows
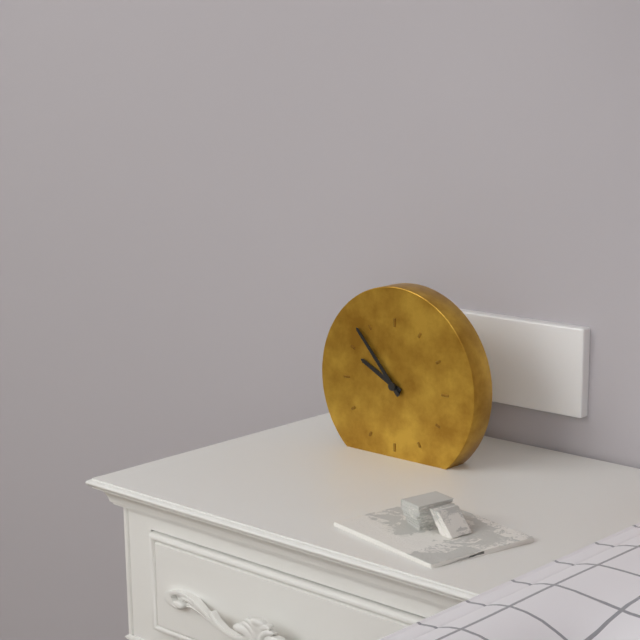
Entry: h=9 m=53
